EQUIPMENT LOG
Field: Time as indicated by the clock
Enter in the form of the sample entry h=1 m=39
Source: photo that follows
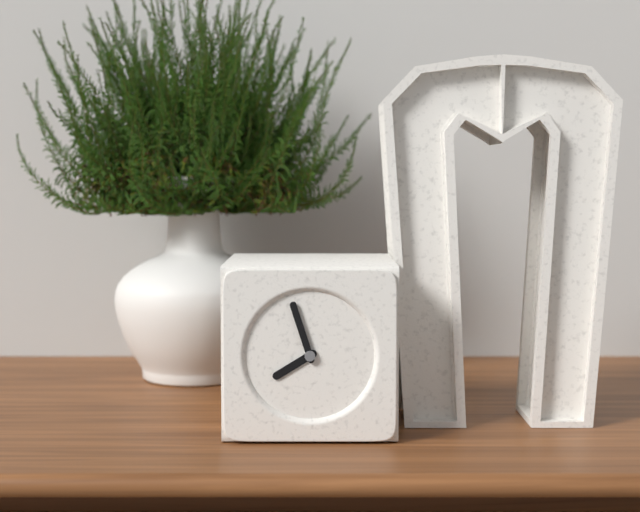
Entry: h=7 m=57
